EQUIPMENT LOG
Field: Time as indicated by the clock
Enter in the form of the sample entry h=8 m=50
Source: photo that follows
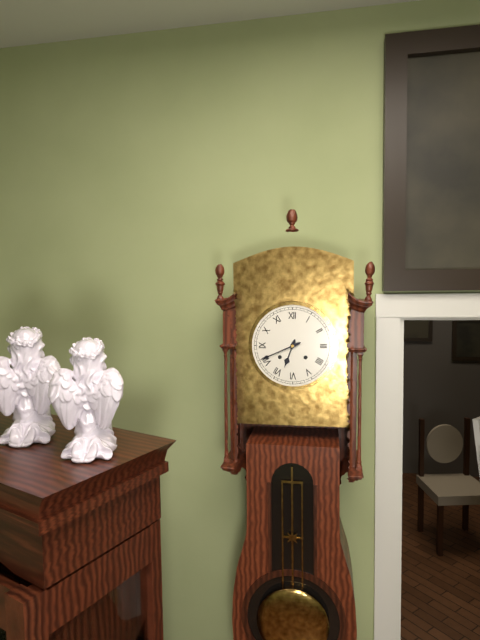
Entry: h=6 m=41
